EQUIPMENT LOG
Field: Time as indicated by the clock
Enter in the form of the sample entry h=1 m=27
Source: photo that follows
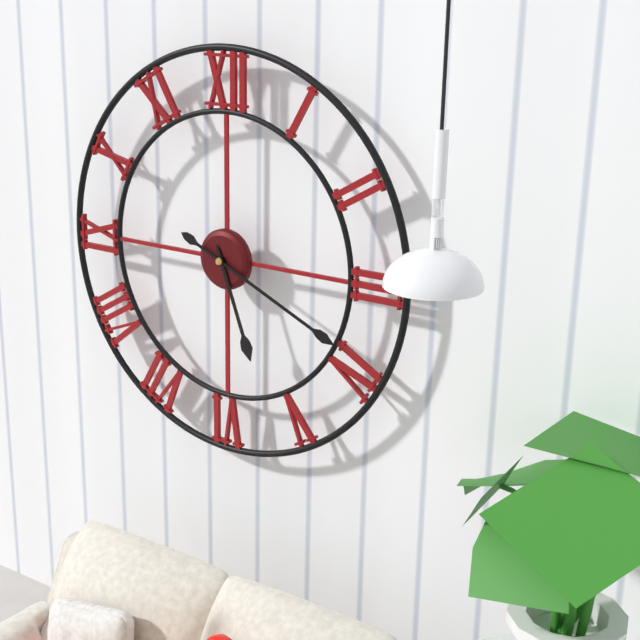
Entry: h=5 m=19
